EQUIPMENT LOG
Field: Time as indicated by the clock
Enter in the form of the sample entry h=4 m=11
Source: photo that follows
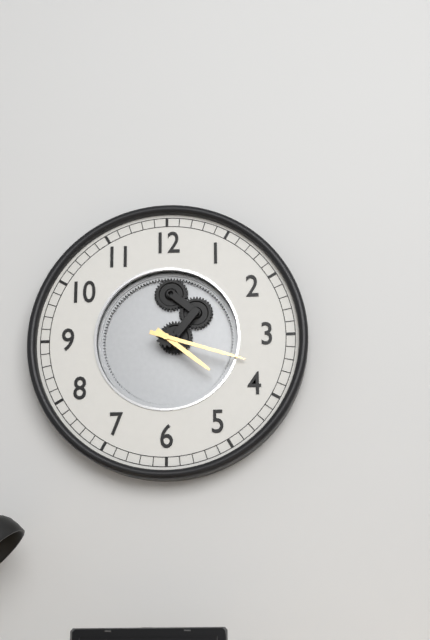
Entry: h=4 m=18
